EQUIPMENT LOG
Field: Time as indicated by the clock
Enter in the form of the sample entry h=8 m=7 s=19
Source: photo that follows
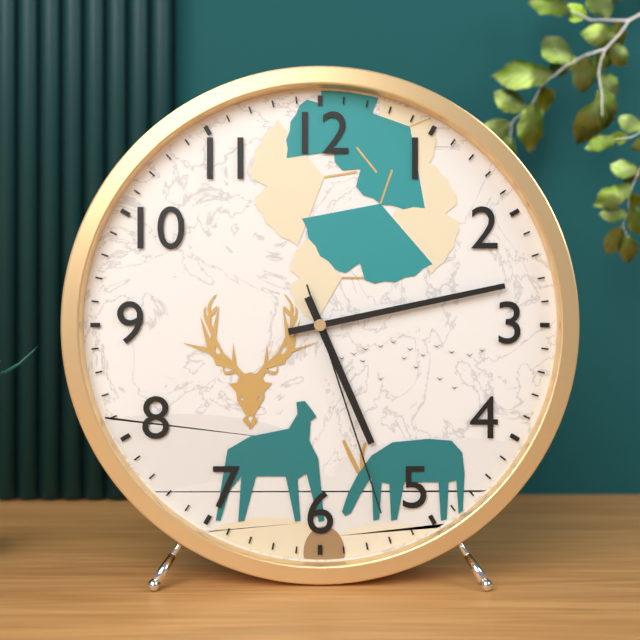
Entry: h=5 m=13 s=27
